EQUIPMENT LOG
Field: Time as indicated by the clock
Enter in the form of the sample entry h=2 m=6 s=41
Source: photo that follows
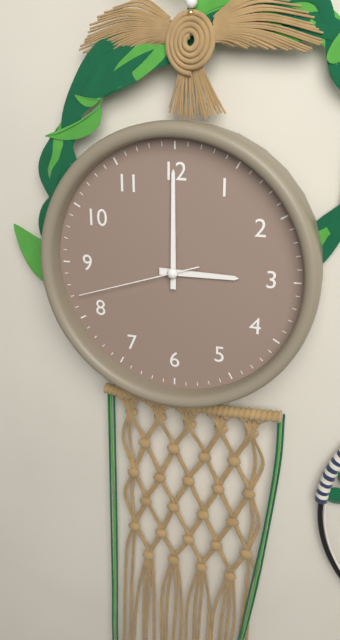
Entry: h=3 m=0 s=42
